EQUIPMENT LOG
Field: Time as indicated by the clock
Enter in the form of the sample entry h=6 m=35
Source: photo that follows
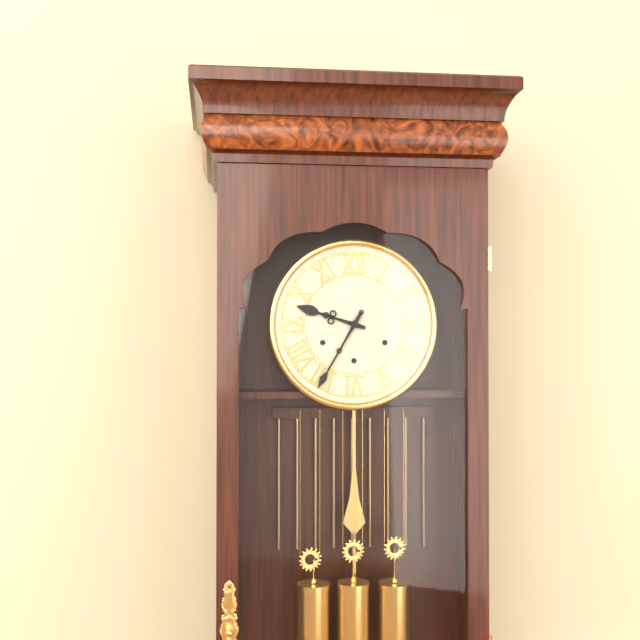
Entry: h=9 m=35
